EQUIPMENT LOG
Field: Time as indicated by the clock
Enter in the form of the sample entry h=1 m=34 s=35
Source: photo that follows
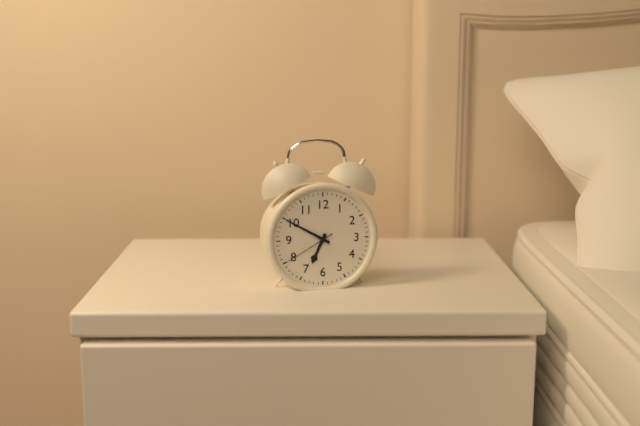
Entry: h=6 m=50 s=40
